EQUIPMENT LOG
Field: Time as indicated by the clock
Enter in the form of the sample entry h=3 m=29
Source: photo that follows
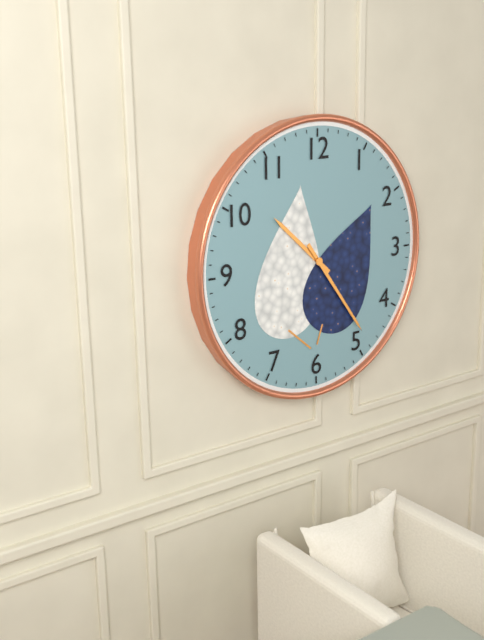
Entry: h=10 m=24
